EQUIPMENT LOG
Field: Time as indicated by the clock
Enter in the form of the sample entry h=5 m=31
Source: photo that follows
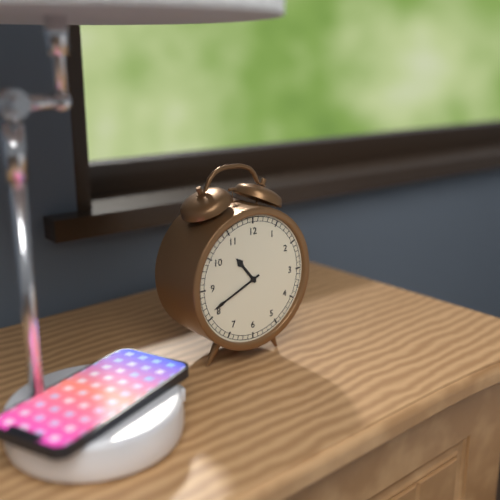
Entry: h=10 m=41
